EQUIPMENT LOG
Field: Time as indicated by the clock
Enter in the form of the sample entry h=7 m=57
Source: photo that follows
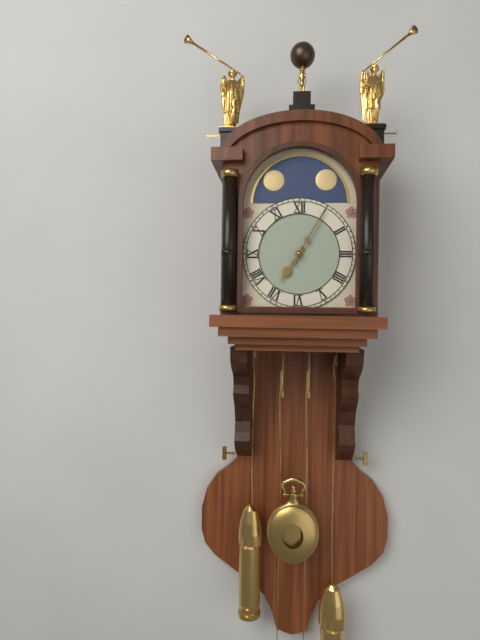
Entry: h=7 m=5
